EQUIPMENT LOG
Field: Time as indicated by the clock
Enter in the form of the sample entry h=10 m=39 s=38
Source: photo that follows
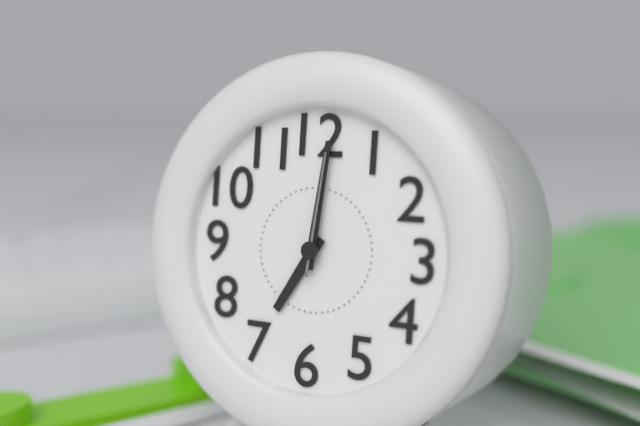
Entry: h=7 m=1 s=1
